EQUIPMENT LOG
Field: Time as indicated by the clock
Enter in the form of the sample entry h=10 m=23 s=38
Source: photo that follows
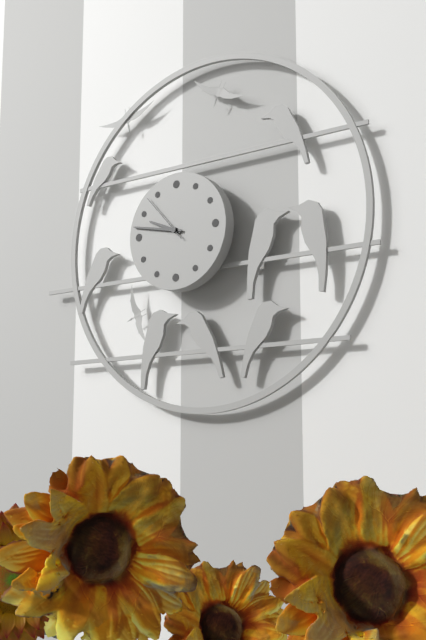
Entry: h=9 m=47 s=53
